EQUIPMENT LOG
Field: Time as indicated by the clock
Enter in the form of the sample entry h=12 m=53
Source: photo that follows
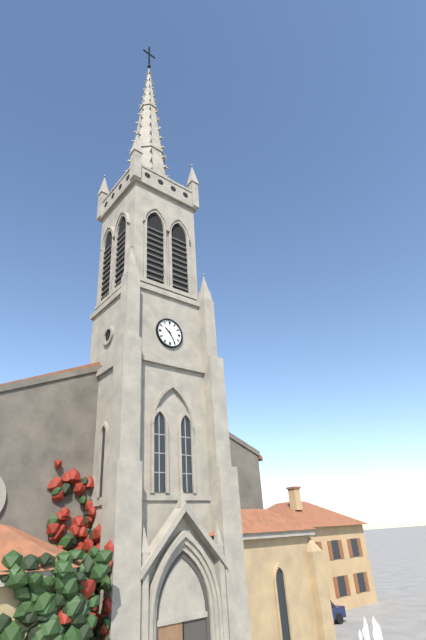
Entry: h=10 m=25
